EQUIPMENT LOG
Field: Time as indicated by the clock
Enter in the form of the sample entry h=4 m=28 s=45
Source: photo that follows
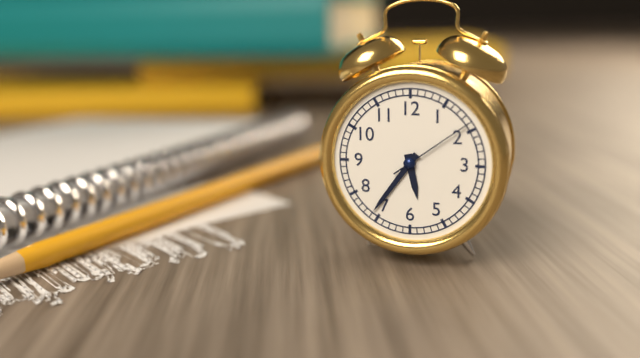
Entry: h=5 m=36 s=9
